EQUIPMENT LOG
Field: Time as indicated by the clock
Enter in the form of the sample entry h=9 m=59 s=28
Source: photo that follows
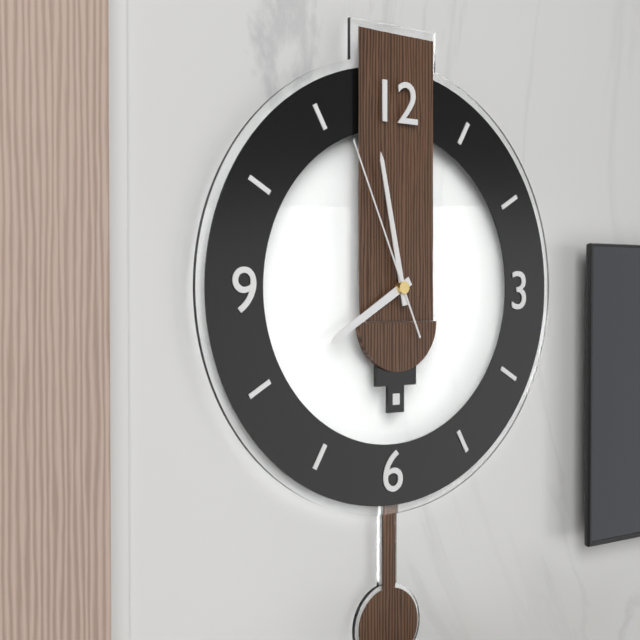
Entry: h=7 m=58 s=56
